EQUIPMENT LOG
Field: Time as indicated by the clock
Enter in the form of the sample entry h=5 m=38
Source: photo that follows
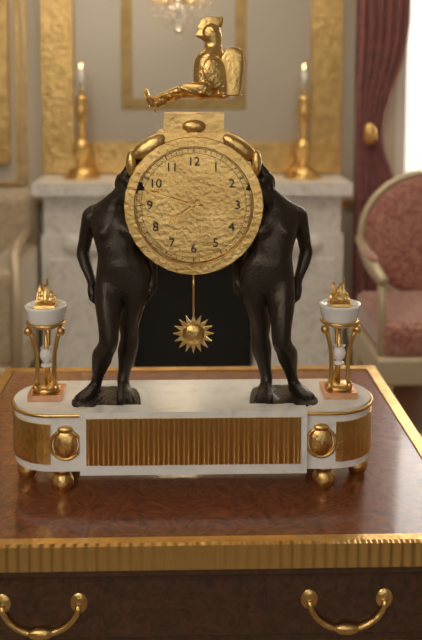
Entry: h=7 m=48
